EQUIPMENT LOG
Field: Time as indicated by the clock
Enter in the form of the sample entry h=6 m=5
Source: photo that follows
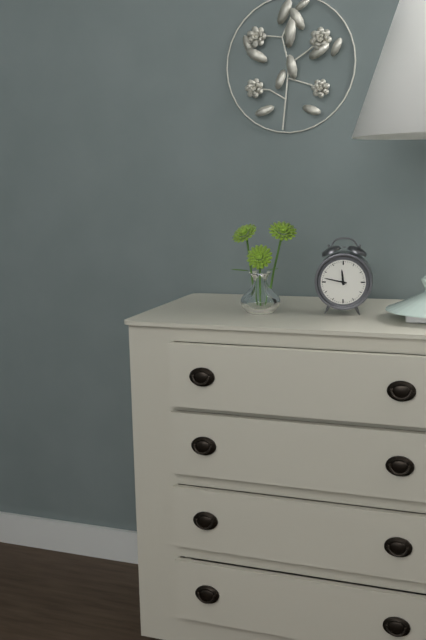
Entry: h=11 m=47
